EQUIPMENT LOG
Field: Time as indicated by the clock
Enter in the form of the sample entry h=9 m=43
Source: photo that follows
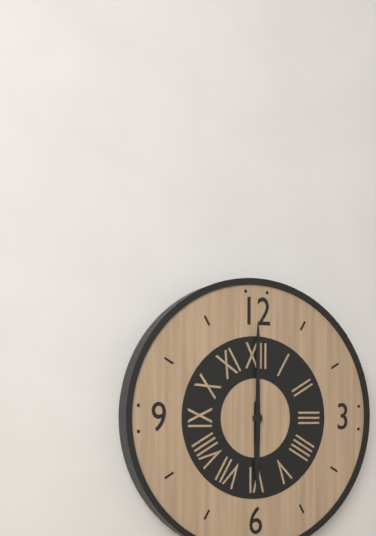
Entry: h=6 m=0
